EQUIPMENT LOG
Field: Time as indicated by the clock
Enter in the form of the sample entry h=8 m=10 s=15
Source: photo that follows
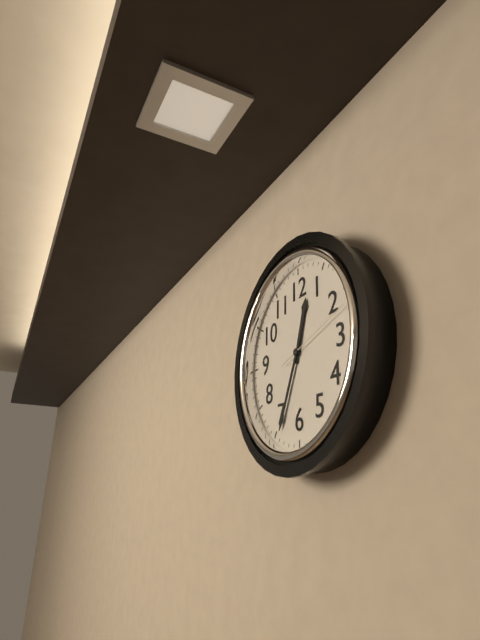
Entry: h=12 m=34 s=12
